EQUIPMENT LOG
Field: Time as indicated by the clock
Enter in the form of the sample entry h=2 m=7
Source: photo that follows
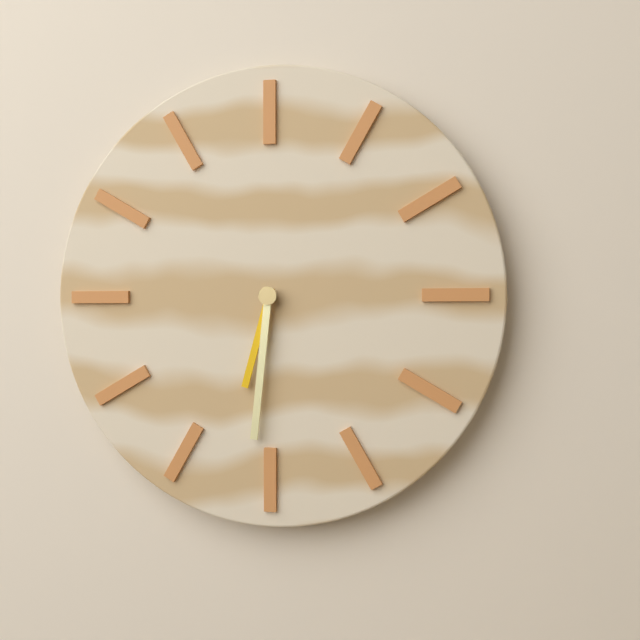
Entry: h=6 m=31
